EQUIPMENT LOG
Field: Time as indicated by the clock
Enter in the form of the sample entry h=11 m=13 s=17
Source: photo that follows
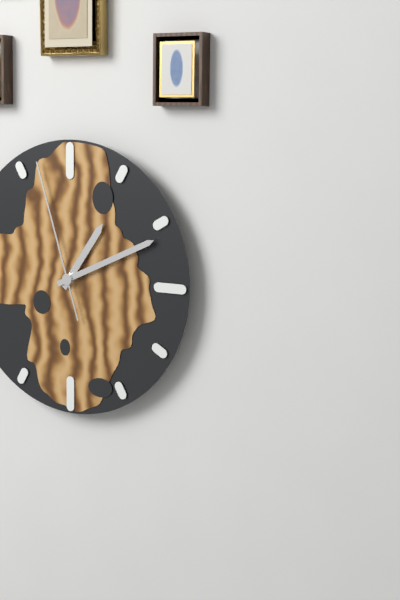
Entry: h=1 m=11 s=57
